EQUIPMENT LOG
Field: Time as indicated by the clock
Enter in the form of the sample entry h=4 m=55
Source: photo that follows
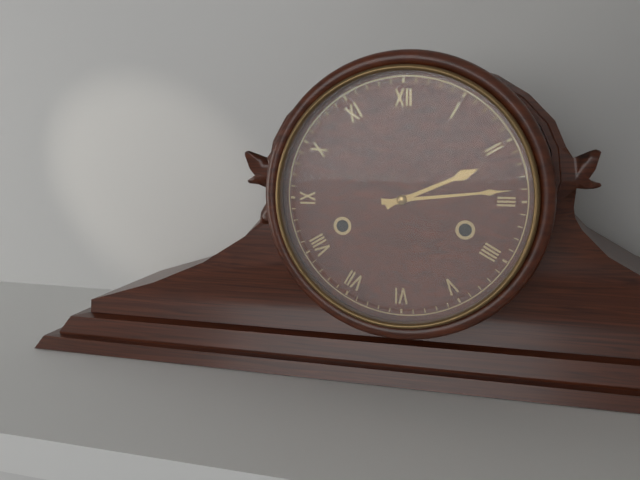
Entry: h=2 m=14
